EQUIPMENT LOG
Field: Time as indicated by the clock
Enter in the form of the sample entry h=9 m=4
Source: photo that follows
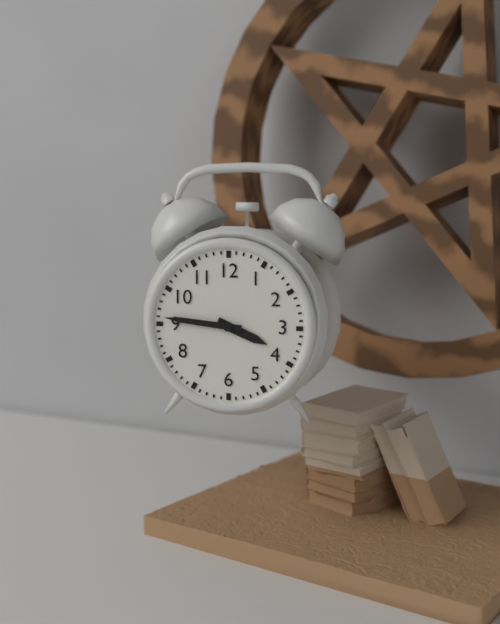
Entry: h=3 m=46
